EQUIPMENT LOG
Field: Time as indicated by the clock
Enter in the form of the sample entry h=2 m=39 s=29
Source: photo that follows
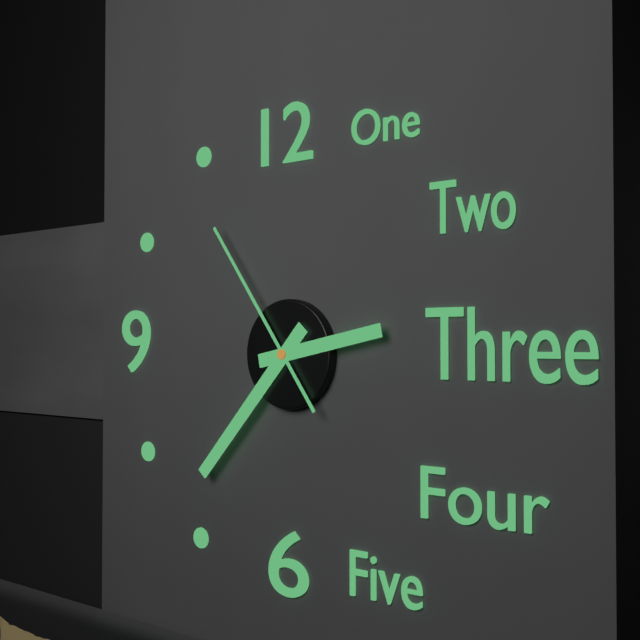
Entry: h=2 m=37 s=54
